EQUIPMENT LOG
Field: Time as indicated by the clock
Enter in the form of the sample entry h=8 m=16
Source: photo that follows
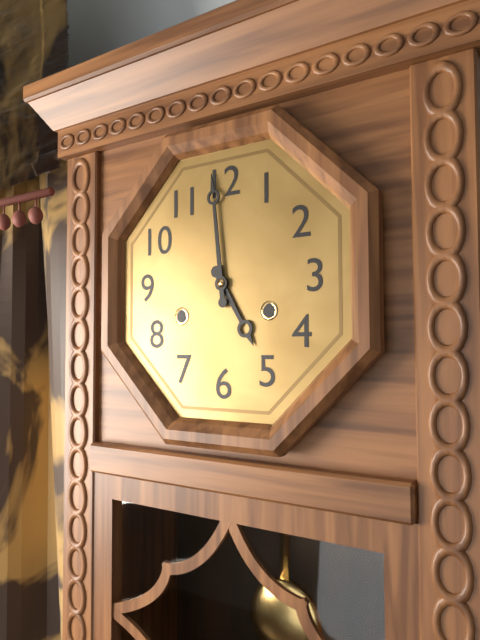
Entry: h=4 m=59
